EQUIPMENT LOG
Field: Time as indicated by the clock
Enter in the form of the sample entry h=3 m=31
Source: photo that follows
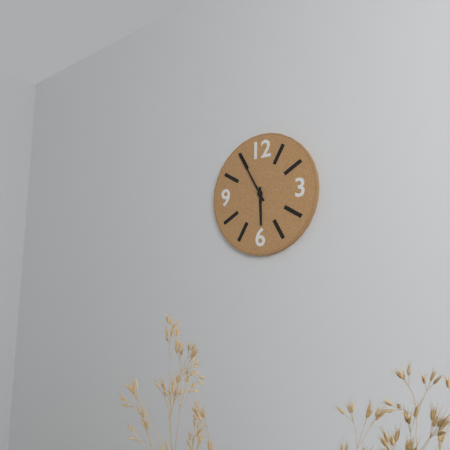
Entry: h=5 m=55
